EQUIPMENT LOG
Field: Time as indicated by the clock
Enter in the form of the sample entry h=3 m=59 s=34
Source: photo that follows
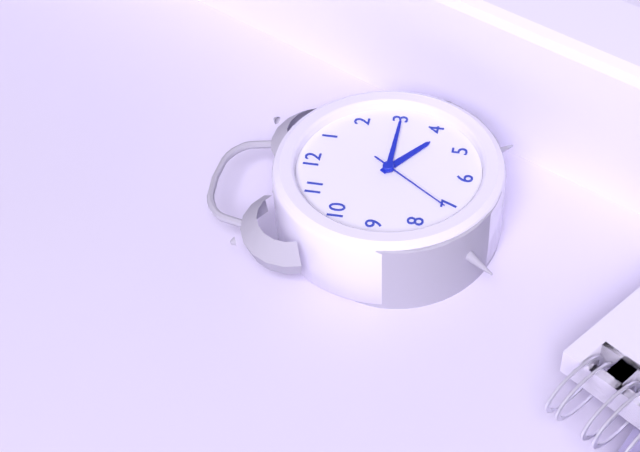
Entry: h=4 m=15 s=36
